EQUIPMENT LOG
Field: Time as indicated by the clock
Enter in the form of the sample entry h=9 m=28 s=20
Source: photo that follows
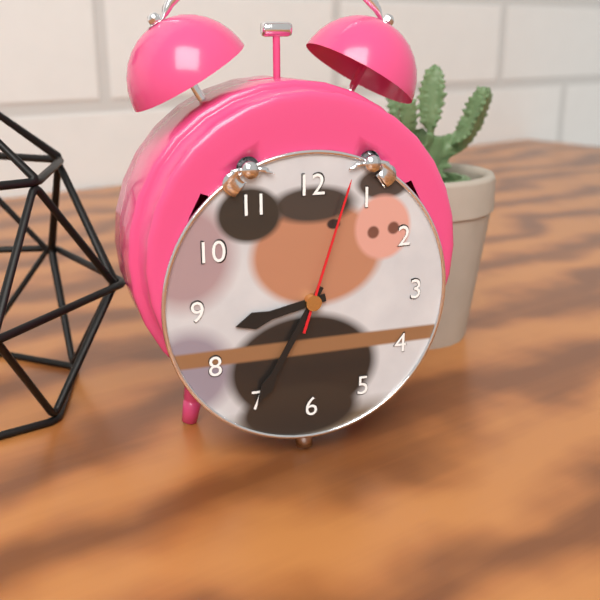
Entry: h=8 m=35 s=3
